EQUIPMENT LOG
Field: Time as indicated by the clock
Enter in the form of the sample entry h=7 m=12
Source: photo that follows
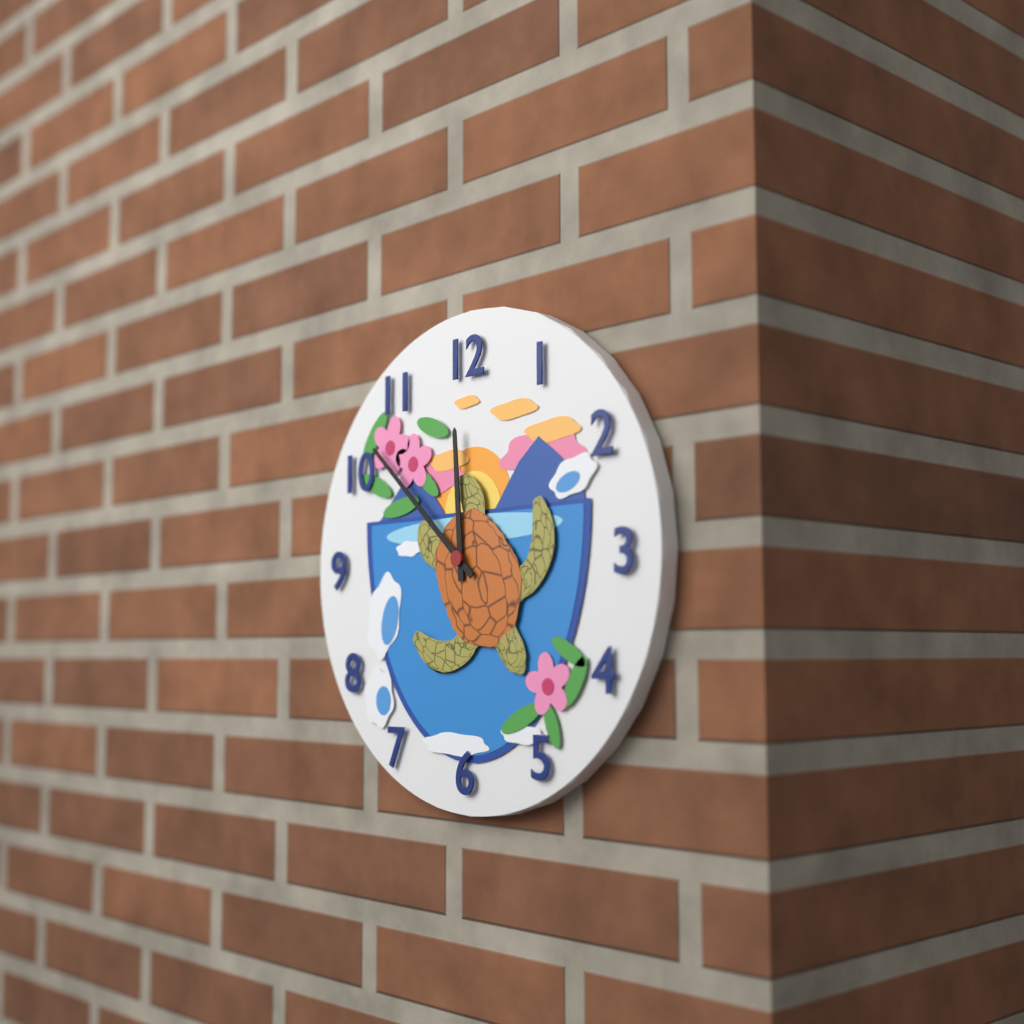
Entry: h=11 m=52
